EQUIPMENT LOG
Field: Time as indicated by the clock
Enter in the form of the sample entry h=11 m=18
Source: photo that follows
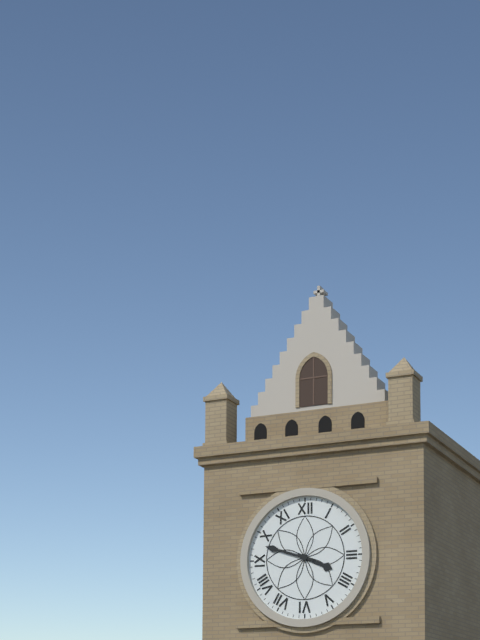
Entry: h=3 m=48
